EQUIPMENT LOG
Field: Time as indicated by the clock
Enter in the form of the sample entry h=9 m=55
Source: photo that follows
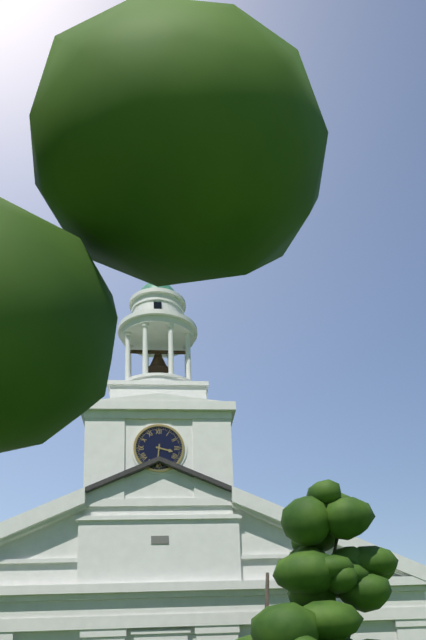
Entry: h=3 m=31
